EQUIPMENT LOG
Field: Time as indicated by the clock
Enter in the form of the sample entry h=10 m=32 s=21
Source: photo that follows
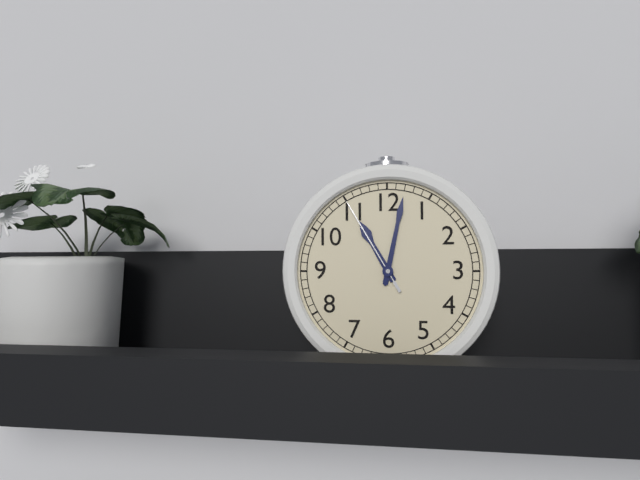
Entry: h=11 m=2 s=55
